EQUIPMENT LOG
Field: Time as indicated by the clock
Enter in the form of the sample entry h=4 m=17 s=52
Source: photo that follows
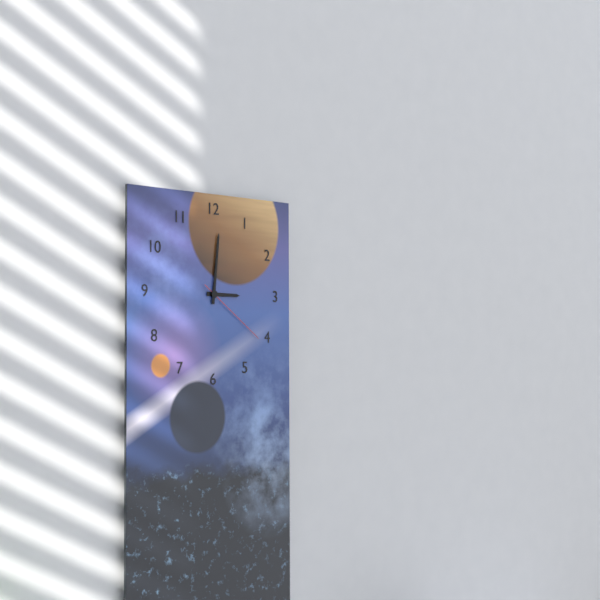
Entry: h=3 m=1 s=21
